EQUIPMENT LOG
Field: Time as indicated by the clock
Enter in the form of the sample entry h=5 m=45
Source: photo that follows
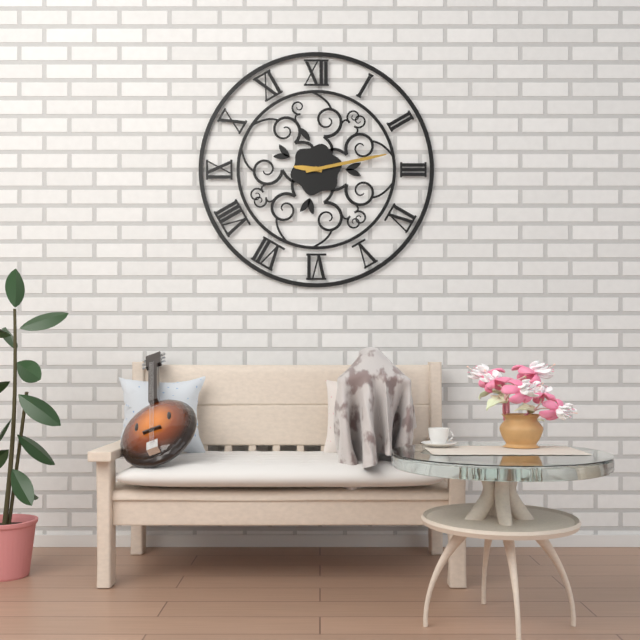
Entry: h=9 m=13
